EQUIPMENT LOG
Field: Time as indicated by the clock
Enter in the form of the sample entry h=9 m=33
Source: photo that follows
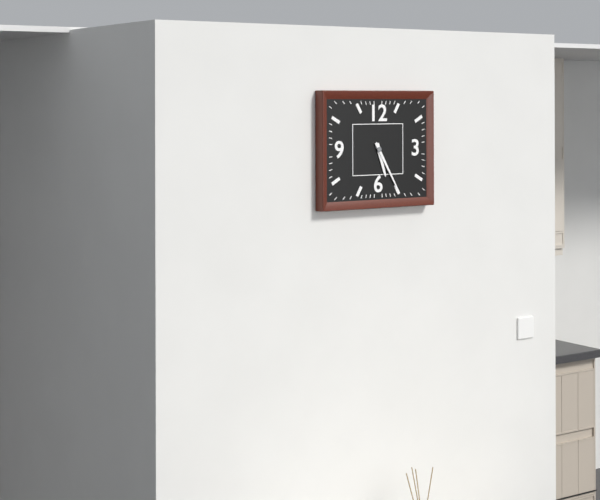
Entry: h=5 m=25
